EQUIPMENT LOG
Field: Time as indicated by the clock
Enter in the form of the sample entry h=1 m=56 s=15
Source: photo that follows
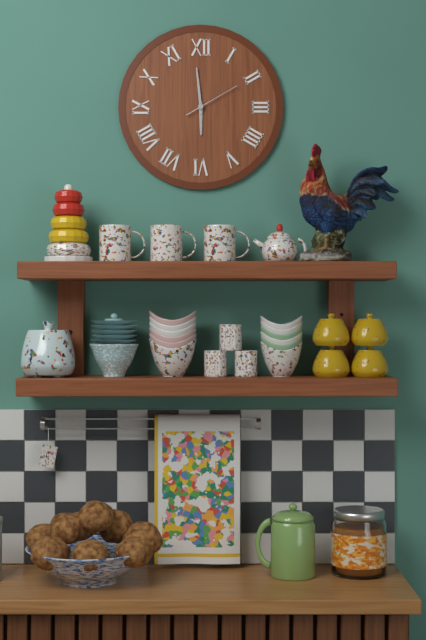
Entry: h=5 m=59 s=10
